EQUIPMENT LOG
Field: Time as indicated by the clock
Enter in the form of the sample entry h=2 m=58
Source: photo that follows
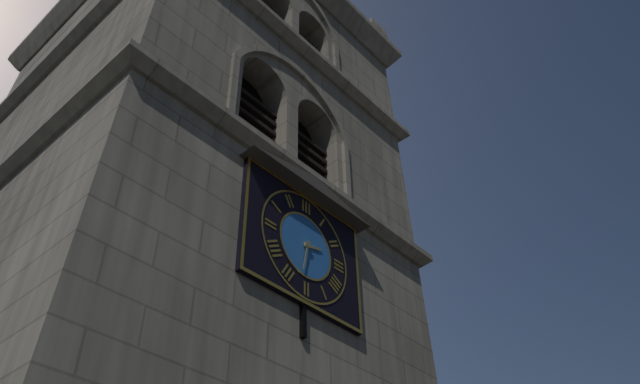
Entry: h=2 m=32
